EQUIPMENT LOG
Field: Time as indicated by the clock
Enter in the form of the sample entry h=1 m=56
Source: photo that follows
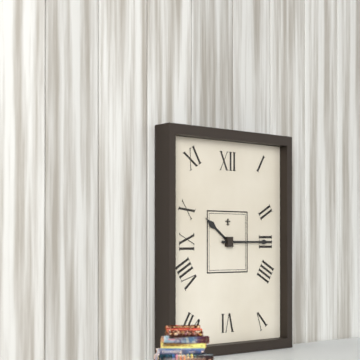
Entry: h=10 m=15
